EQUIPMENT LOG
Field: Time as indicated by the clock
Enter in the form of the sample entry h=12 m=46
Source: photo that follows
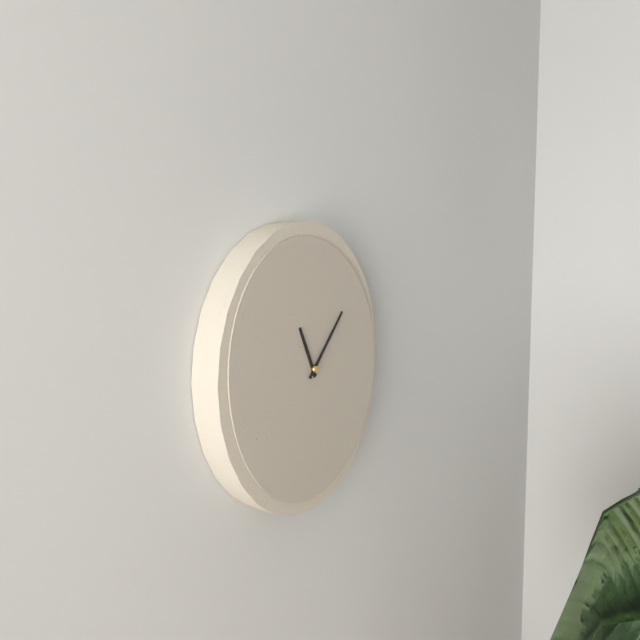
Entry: h=11 m=7
